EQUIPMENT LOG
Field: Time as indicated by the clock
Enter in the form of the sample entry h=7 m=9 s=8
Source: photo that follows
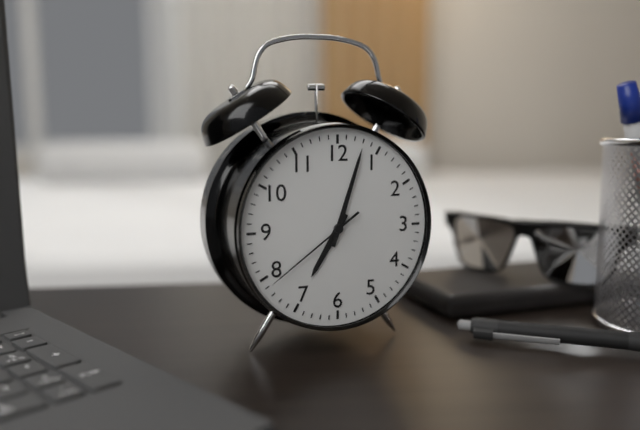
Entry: h=7 m=3 s=39
